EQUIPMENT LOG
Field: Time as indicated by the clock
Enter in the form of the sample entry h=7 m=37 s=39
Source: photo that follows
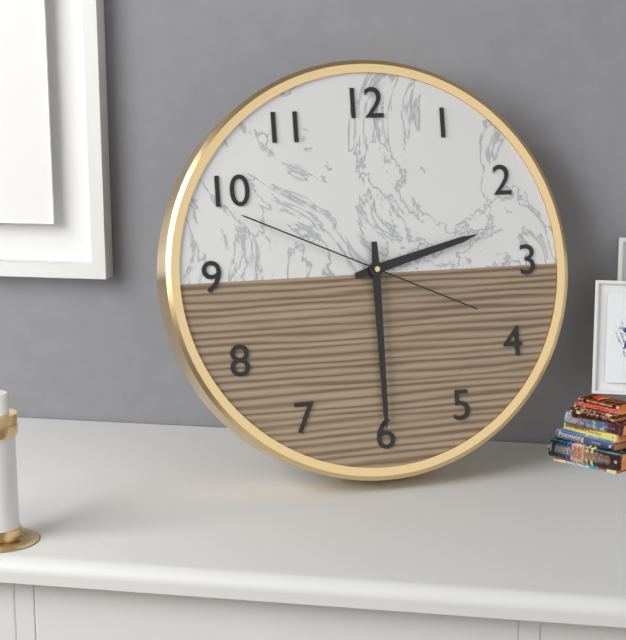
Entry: h=2 m=30 s=49
